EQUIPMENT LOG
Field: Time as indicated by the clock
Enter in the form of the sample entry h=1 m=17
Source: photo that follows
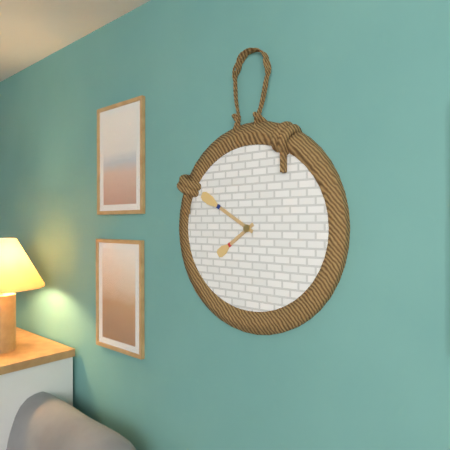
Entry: h=7 m=50
